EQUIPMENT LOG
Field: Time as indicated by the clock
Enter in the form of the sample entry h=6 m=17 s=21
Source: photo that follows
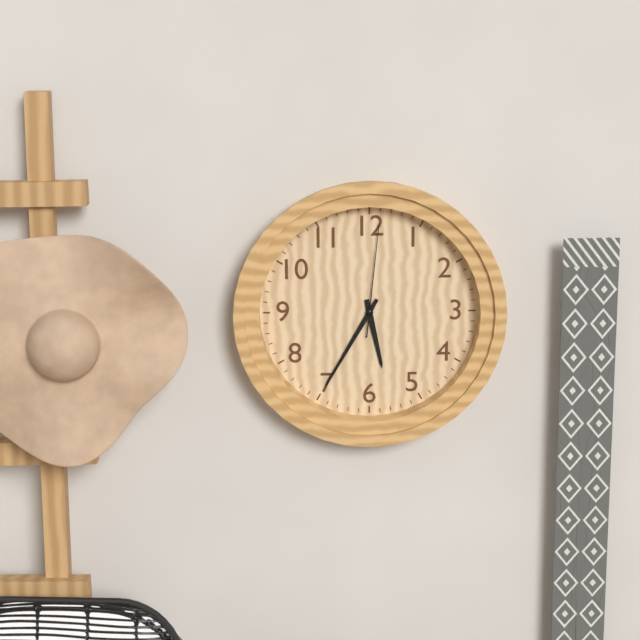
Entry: h=5 m=35 s=1
